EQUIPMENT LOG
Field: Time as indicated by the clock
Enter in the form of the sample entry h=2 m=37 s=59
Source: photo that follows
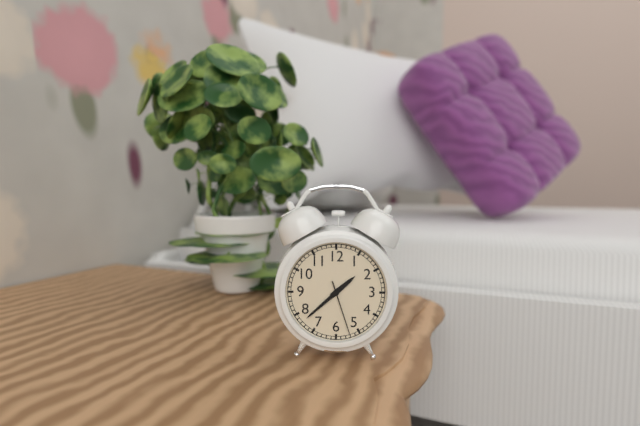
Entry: h=1 m=38 s=27
